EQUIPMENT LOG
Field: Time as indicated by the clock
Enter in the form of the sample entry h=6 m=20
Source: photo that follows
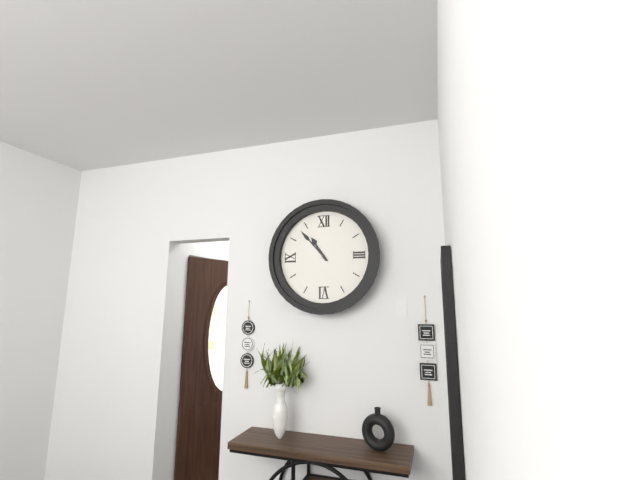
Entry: h=10 m=53
